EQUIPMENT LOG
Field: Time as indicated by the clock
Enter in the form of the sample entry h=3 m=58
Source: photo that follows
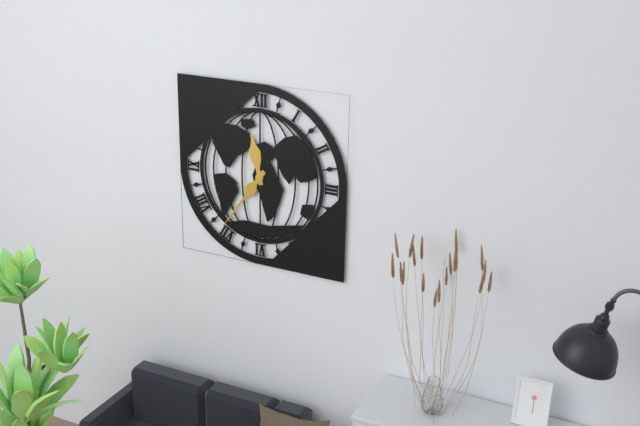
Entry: h=11 m=36
